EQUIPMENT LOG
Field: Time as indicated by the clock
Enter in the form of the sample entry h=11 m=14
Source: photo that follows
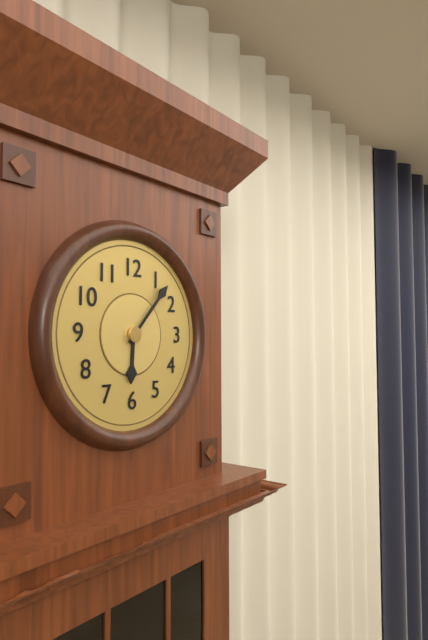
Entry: h=6 m=7
